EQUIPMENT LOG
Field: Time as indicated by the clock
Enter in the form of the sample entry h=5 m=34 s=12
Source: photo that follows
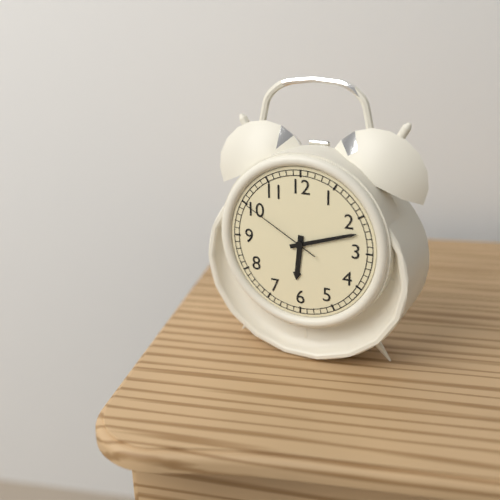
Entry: h=6 m=12 s=50
